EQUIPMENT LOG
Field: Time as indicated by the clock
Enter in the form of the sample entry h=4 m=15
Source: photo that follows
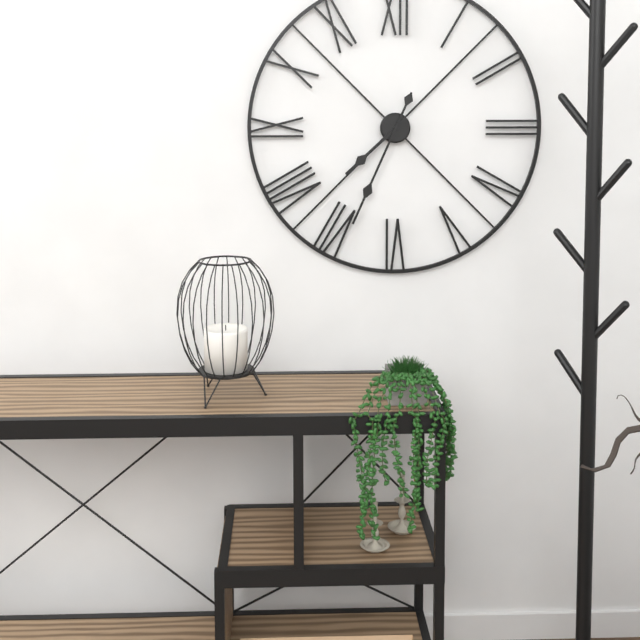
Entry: h=7 m=34
